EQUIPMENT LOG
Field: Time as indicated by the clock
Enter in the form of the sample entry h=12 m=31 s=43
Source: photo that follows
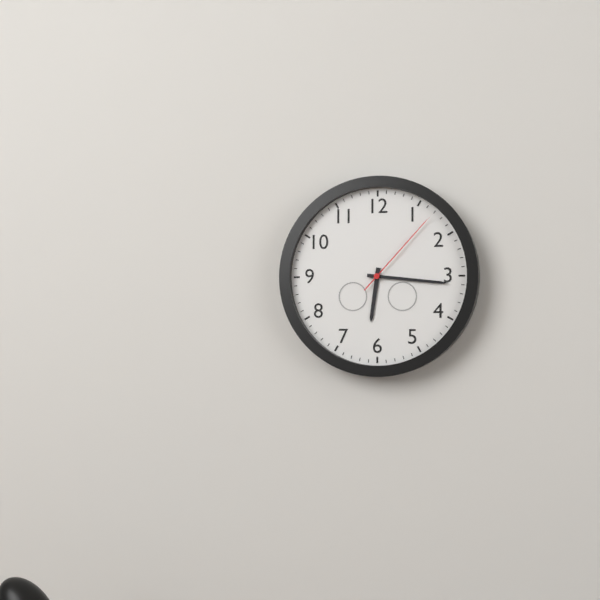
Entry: h=6 m=16 s=7
